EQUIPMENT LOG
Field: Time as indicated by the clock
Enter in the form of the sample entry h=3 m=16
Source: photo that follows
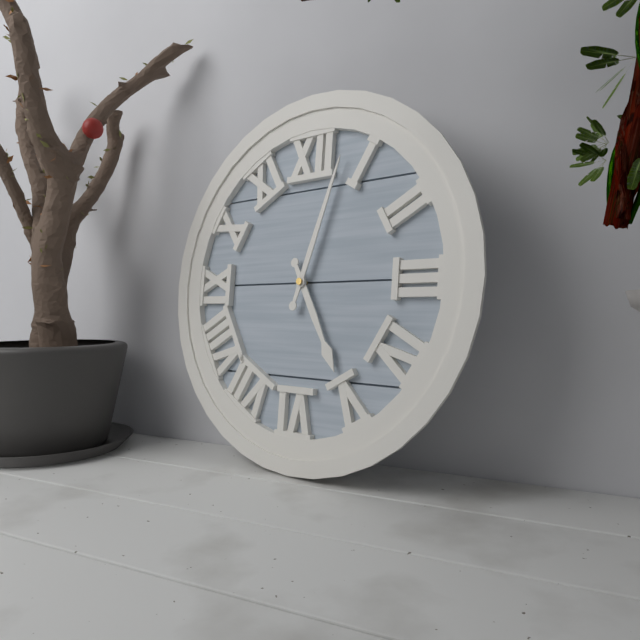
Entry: h=5 m=3
